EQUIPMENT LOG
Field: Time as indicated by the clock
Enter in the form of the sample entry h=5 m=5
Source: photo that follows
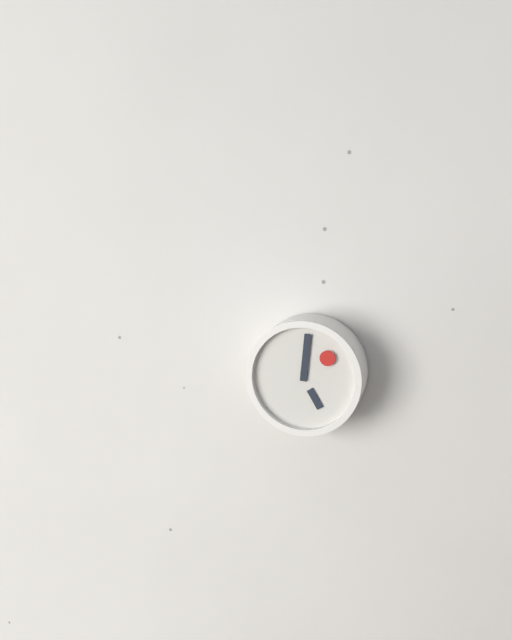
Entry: h=5 m=1
